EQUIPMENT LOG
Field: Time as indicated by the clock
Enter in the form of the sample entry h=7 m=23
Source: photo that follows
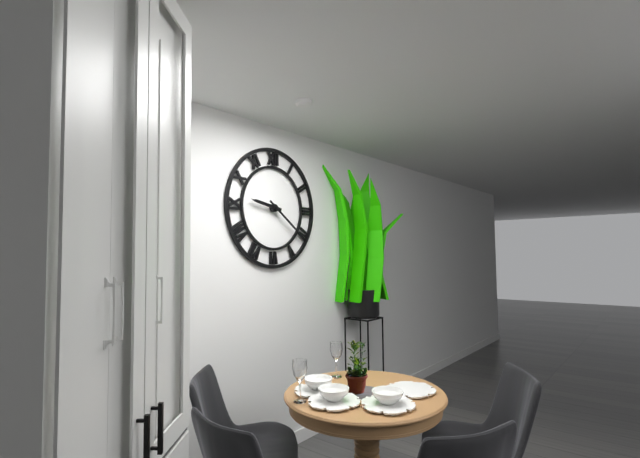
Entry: h=9 m=21
